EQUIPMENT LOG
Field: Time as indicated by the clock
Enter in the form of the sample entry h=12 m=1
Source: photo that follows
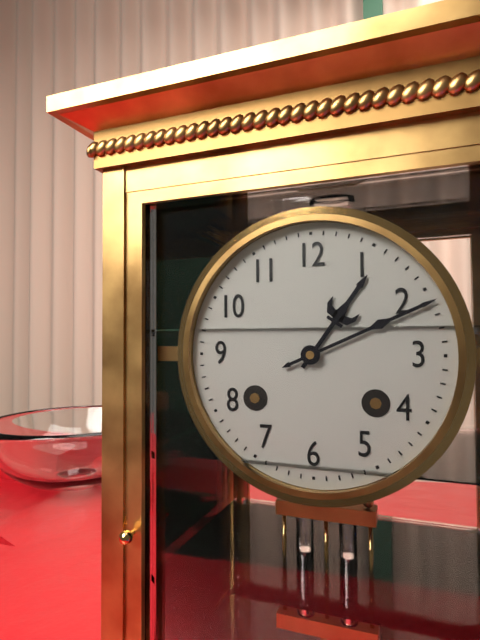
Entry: h=1 m=11
